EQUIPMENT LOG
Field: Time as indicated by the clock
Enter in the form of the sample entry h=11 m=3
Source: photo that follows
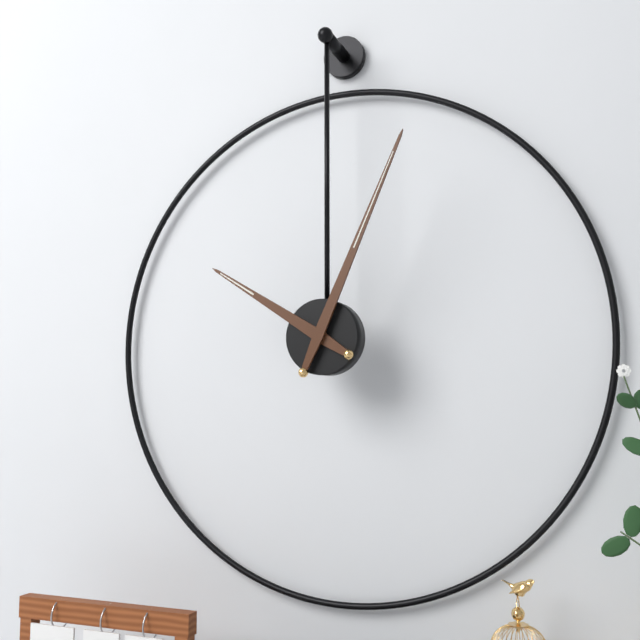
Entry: h=10 m=4
